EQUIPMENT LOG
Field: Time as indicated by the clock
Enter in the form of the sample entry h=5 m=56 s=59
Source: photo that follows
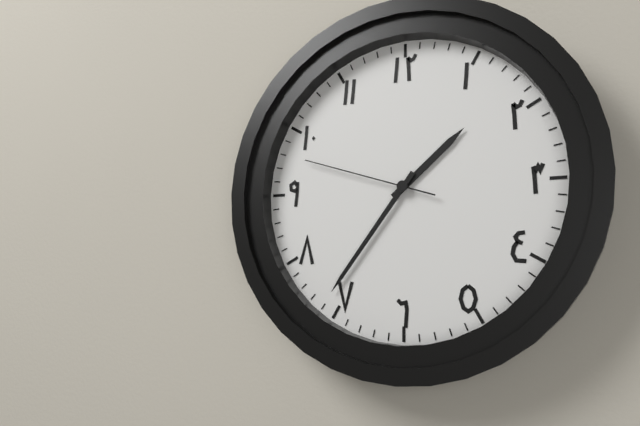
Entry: h=1 m=36 s=48
